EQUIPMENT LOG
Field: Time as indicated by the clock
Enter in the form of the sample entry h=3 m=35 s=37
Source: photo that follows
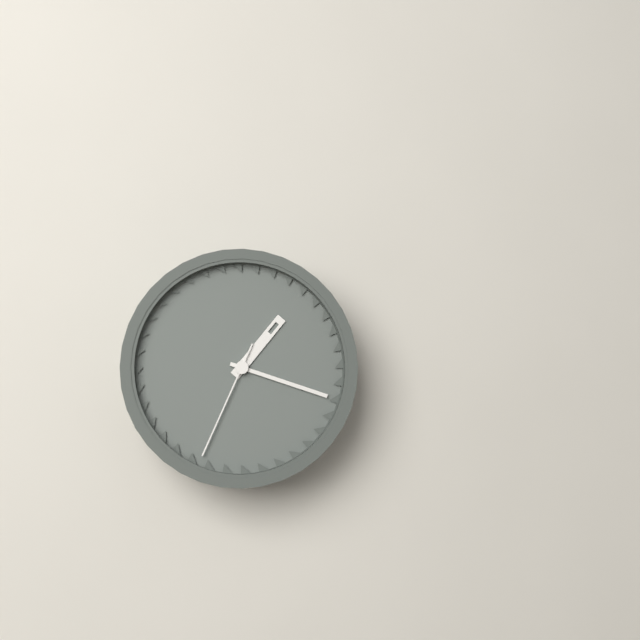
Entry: h=1 m=18 s=34
